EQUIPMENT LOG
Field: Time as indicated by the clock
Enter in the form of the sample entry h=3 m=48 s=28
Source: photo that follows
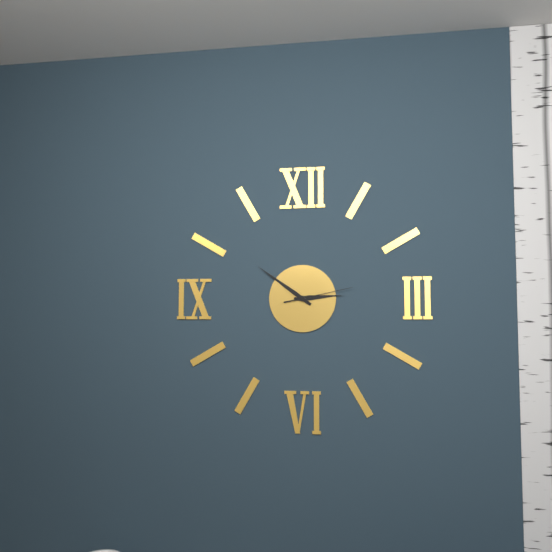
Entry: h=2 m=51 s=13
